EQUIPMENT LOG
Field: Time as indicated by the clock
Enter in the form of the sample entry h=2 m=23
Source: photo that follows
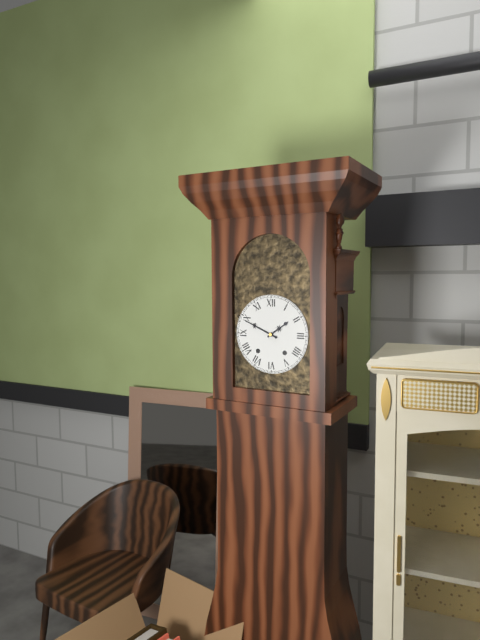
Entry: h=1 m=49
